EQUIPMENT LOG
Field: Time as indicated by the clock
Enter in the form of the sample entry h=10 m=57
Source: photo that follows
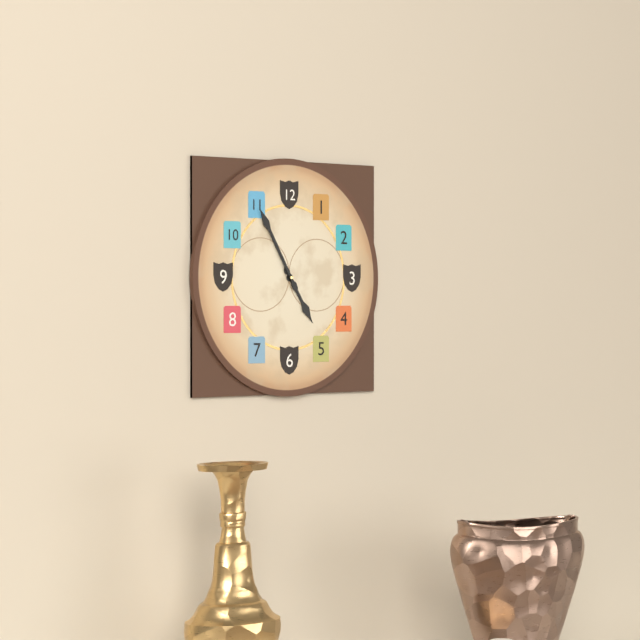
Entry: h=4 m=55
